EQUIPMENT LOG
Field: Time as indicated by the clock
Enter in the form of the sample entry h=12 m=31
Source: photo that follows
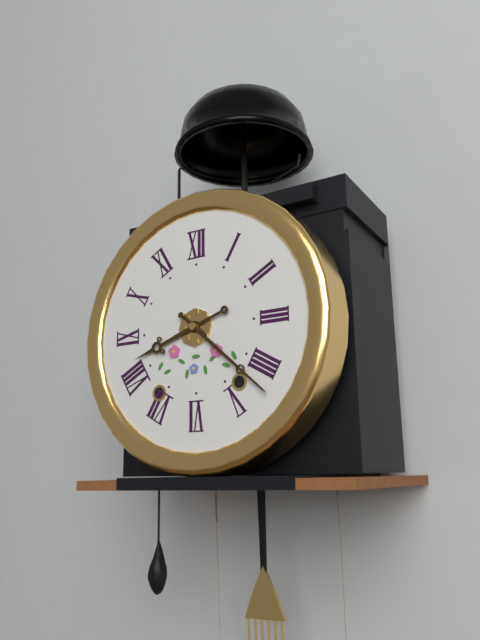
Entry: h=8 m=22
